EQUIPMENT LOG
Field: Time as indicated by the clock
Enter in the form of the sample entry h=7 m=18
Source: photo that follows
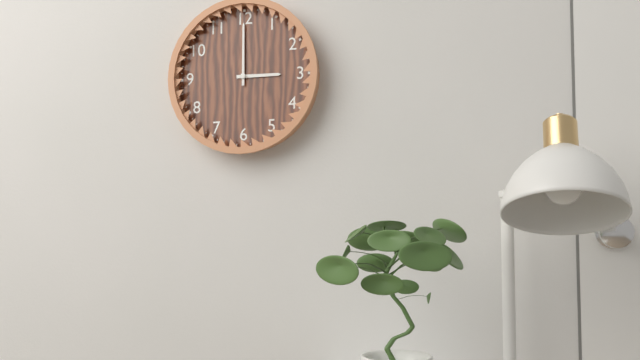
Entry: h=3 m=0
